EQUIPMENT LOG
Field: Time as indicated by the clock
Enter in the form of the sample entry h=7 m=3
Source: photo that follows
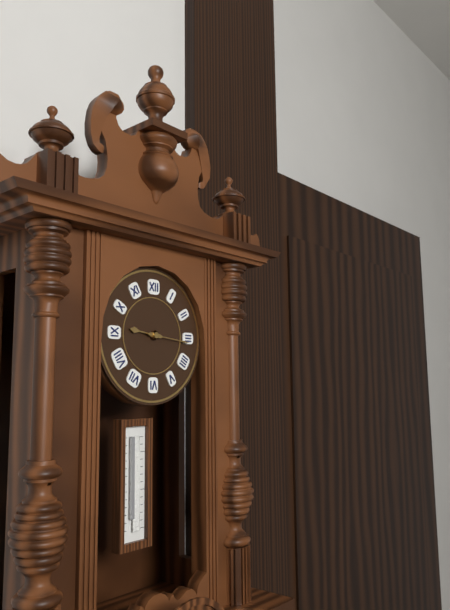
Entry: h=9 m=16
